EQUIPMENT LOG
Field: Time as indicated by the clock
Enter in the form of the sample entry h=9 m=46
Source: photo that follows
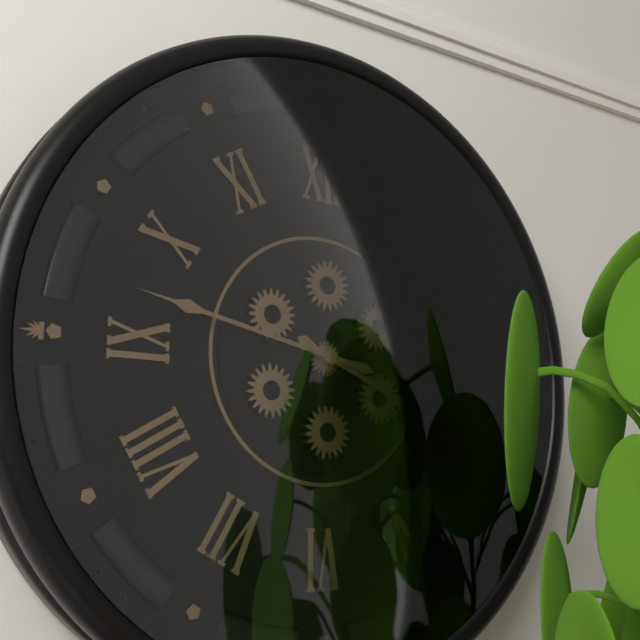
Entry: h=3 m=47
